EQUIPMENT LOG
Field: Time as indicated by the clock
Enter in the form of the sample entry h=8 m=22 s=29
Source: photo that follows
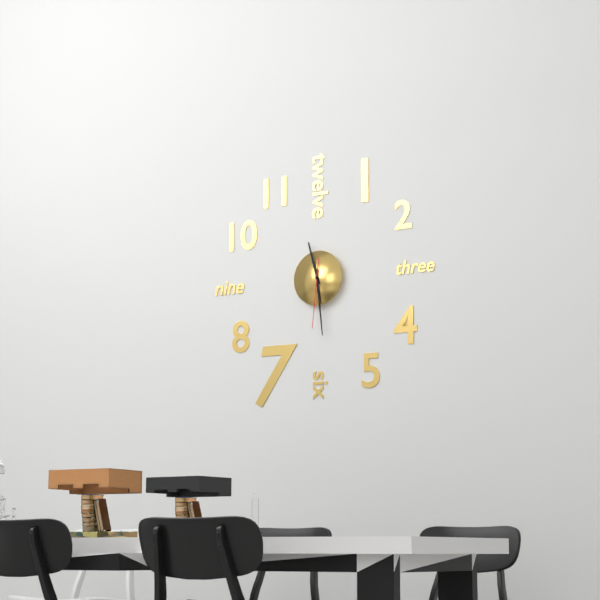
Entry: h=11 m=29 s=31
